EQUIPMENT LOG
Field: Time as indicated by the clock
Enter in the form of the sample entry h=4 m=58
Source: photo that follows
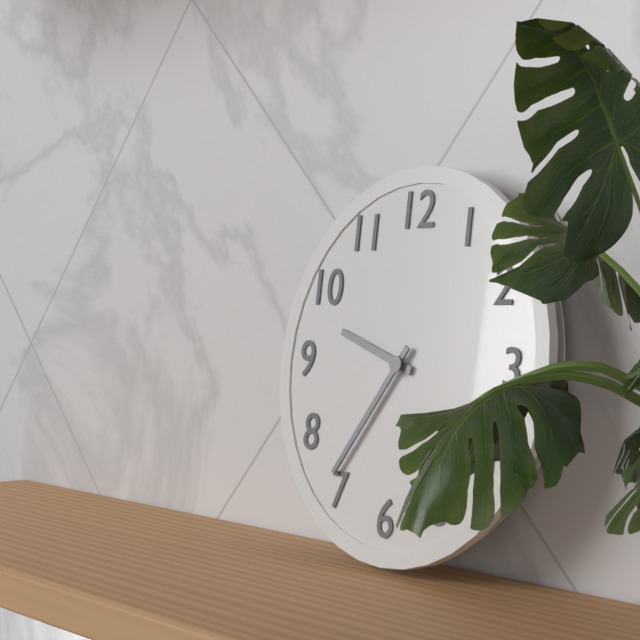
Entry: h=9 m=36
